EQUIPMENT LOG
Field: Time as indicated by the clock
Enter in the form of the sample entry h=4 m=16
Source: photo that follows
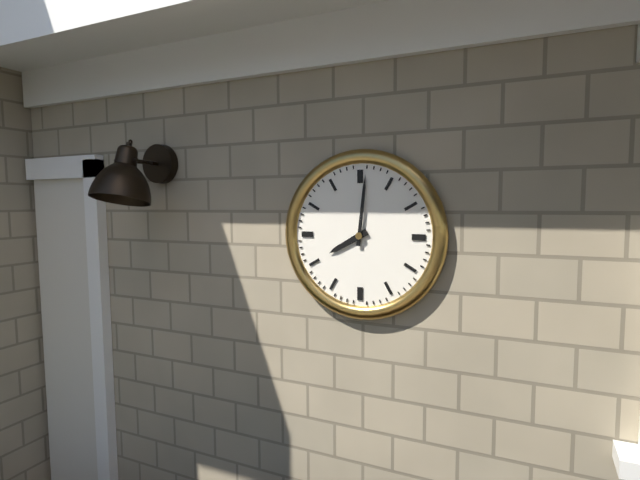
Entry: h=8 m=1
